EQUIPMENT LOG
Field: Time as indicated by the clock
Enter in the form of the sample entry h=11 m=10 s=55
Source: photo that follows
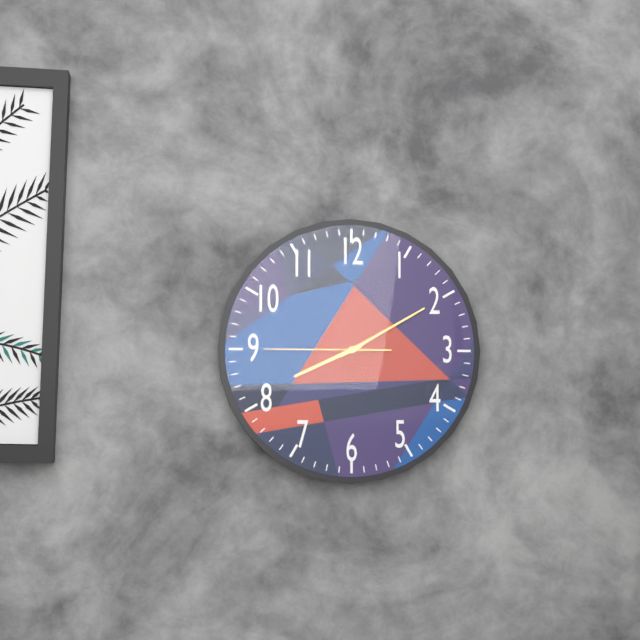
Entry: h=8 m=10 s=45
